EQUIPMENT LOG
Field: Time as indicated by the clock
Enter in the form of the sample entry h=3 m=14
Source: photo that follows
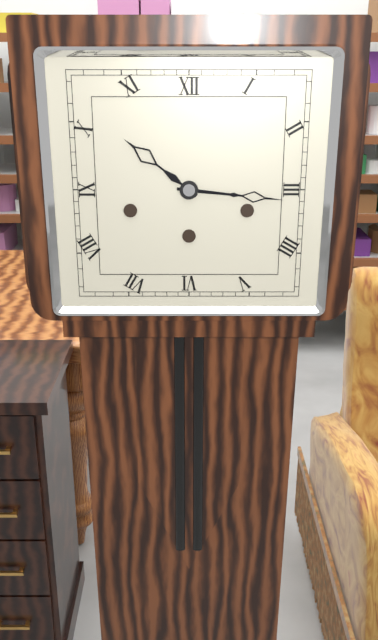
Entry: h=10 m=16
